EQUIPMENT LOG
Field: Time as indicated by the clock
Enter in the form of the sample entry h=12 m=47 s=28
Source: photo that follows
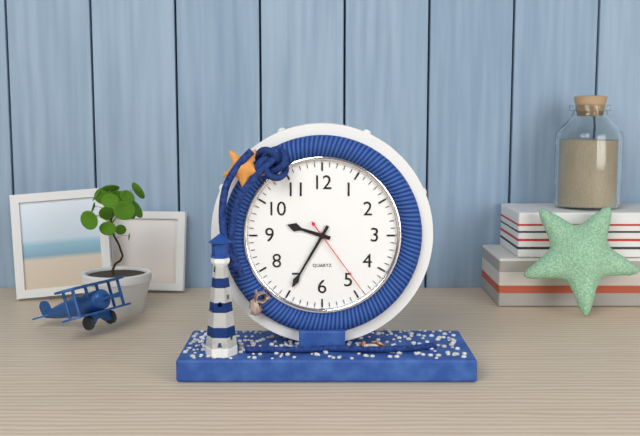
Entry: h=9 m=35 s=24
